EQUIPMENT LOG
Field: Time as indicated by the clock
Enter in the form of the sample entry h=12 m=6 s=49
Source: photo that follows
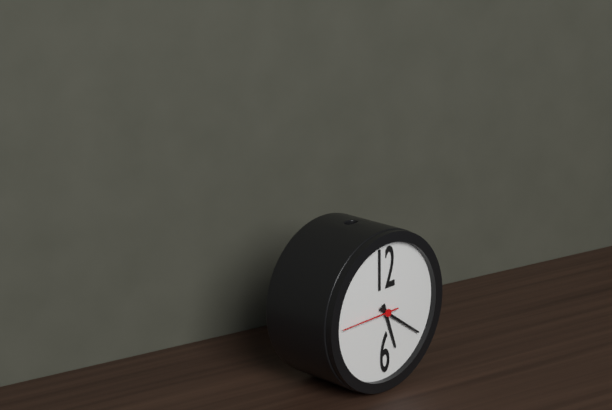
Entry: h=5 m=21 s=45
